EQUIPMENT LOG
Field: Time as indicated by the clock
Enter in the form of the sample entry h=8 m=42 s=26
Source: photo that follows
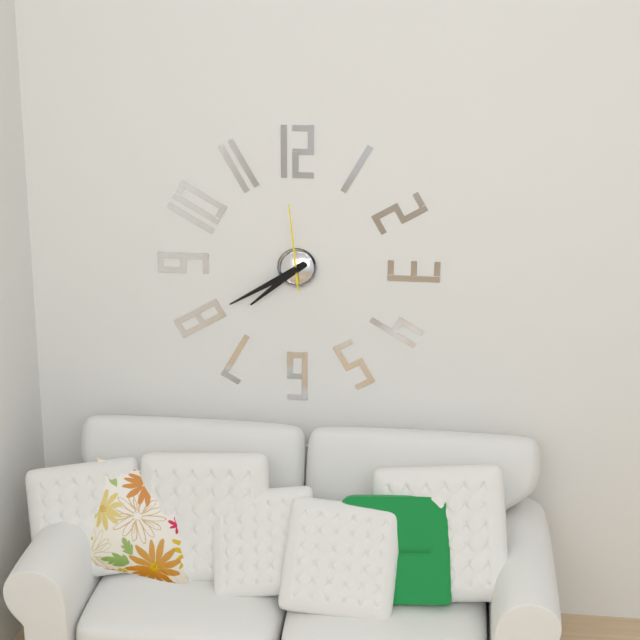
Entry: h=7 m=40 s=59
